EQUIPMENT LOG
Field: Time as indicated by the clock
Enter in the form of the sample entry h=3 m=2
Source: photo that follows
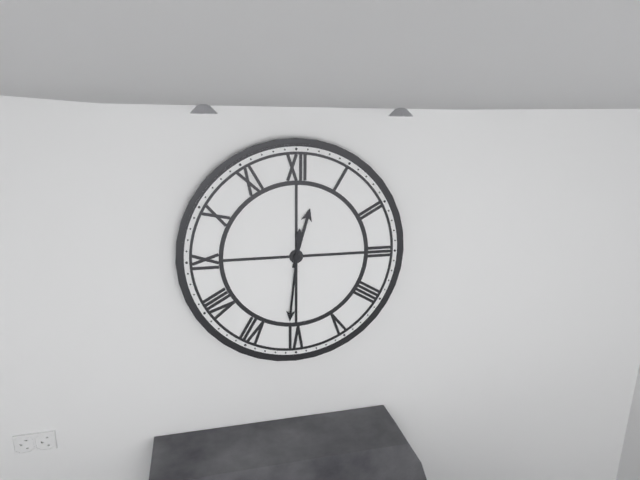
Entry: h=12 m=31
